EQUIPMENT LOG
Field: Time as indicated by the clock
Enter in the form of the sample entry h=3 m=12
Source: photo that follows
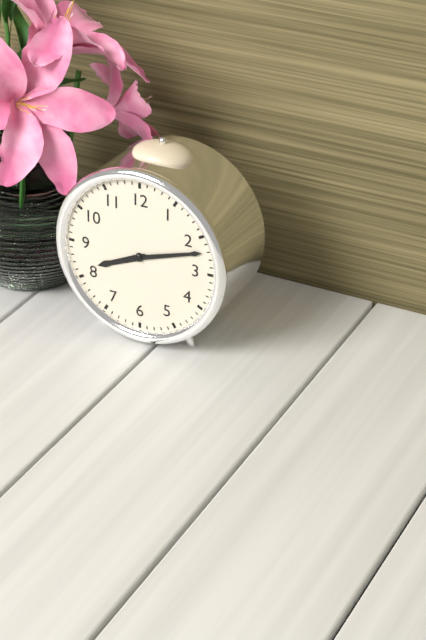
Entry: h=8 m=12
